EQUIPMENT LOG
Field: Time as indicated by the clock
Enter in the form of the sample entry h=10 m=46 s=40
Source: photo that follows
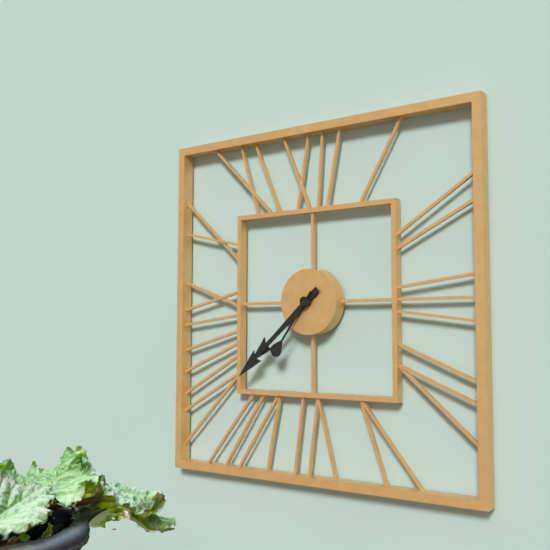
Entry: h=7 m=38 s=36
